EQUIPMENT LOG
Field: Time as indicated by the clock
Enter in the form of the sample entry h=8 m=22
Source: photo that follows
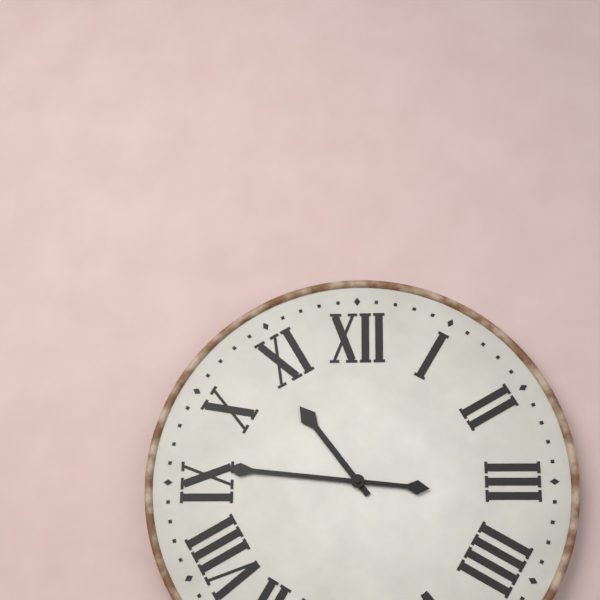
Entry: h=10 m=46
